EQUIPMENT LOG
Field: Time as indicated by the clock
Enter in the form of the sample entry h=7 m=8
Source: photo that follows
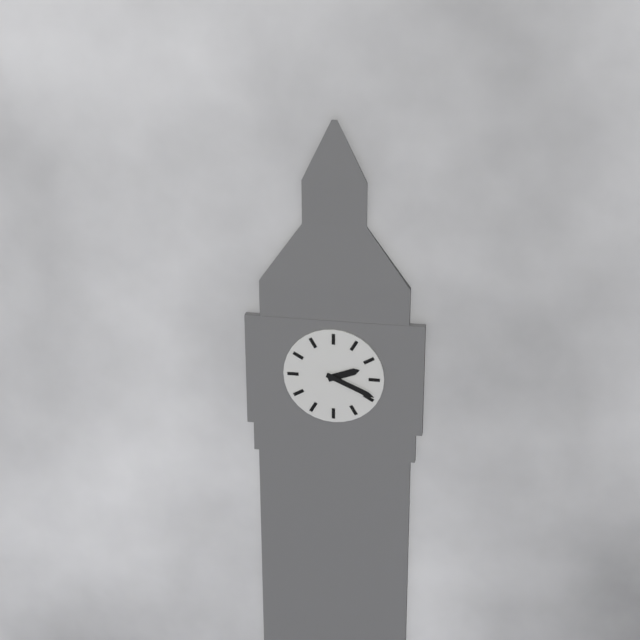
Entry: h=2 m=19
